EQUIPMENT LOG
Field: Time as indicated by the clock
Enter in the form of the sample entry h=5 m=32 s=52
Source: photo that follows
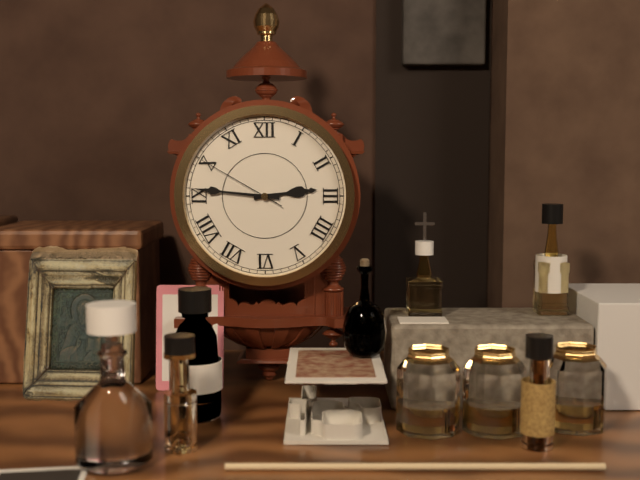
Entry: h=2 m=46 s=50
